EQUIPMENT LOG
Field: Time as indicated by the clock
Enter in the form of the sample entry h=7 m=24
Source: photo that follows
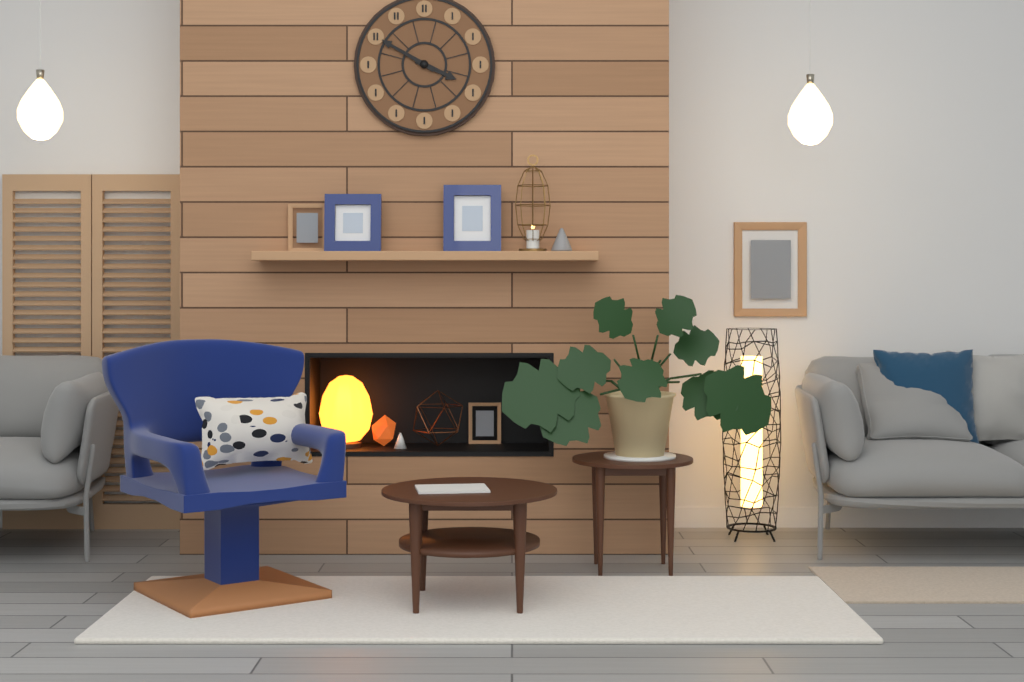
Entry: h=3 m=50
